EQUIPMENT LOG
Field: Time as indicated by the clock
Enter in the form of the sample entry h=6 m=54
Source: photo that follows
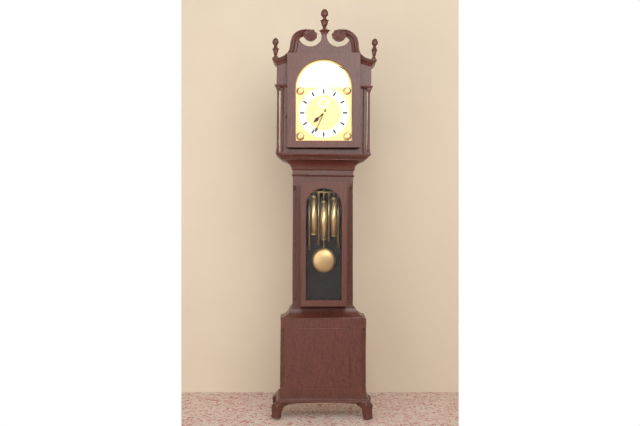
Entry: h=7 m=34
